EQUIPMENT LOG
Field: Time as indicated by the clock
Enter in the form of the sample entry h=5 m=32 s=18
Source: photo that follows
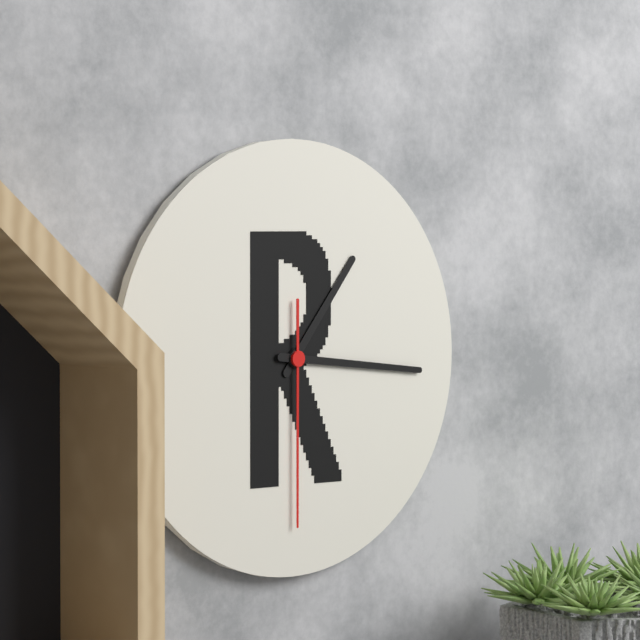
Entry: h=1 m=16 s=30
